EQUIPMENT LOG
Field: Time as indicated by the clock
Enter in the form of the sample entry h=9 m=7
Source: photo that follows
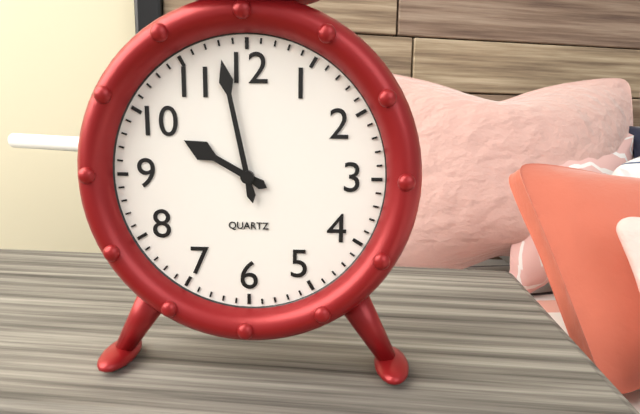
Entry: h=9 m=58
